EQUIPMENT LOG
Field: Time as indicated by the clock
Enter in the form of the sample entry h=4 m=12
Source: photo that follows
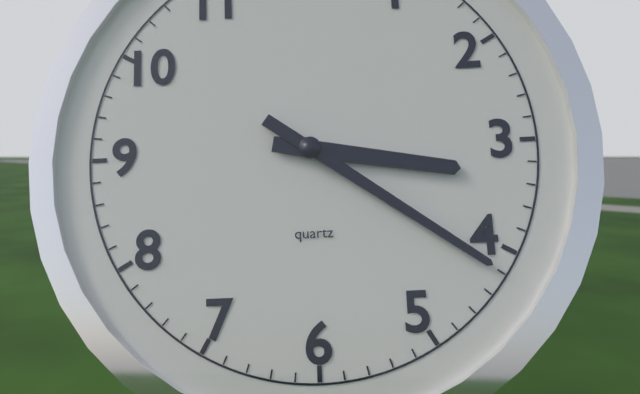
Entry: h=3 m=21
